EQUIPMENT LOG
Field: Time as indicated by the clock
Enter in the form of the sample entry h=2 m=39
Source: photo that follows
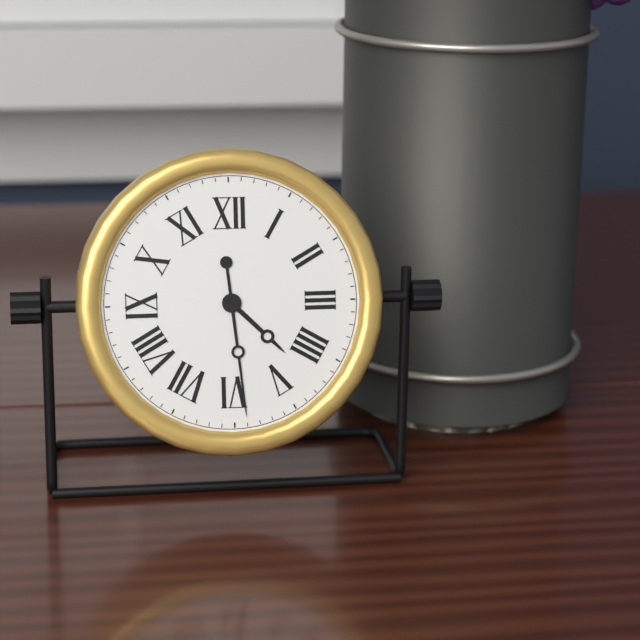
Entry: h=4 m=29
